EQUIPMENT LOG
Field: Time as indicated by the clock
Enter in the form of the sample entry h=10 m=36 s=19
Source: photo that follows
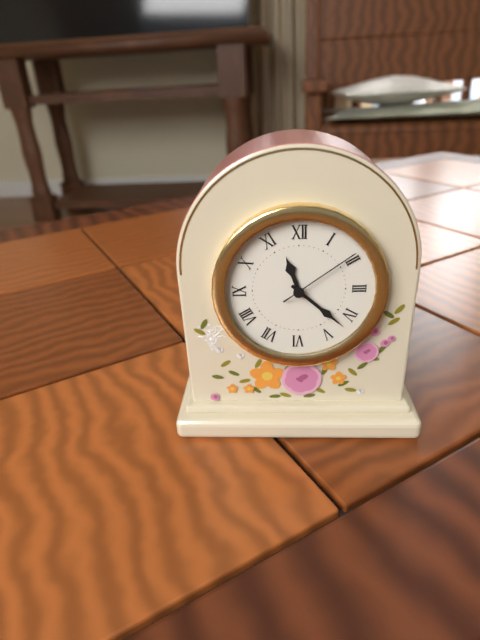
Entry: h=11 m=22 s=9
